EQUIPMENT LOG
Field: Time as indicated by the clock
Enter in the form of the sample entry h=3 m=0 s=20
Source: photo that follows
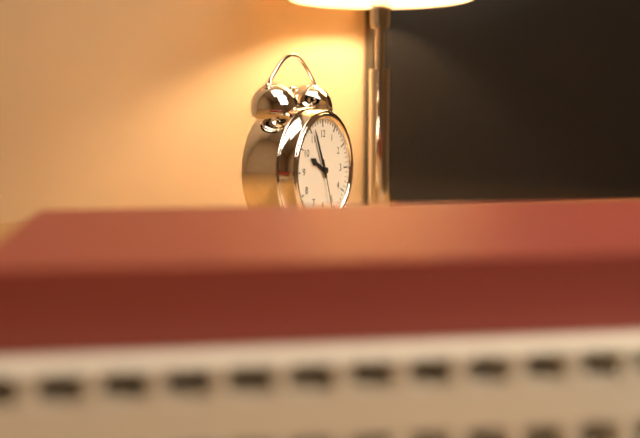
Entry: h=9 m=56 s=27
